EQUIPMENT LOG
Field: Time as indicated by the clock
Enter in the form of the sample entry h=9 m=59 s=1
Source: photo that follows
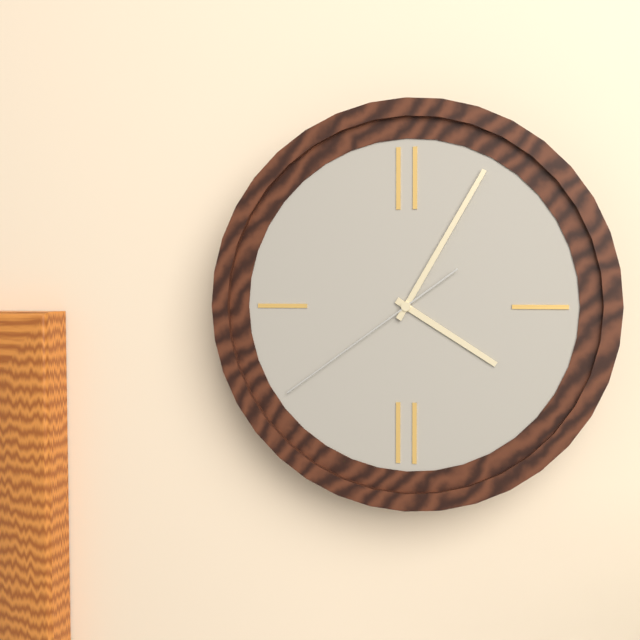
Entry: h=4 m=5 s=39
